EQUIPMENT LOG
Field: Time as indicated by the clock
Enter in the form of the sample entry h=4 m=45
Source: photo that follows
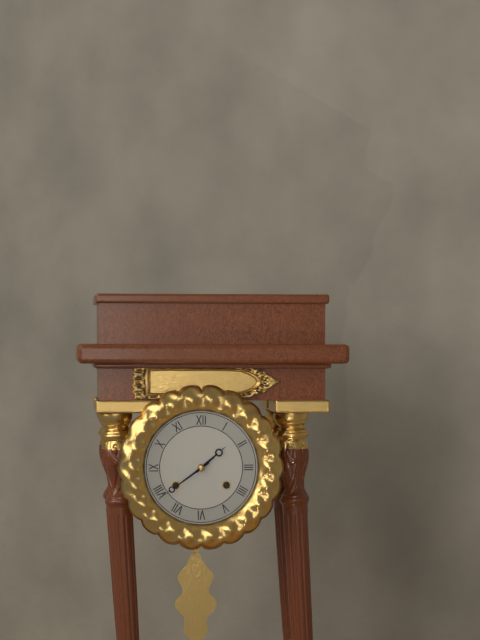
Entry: h=1 m=39
